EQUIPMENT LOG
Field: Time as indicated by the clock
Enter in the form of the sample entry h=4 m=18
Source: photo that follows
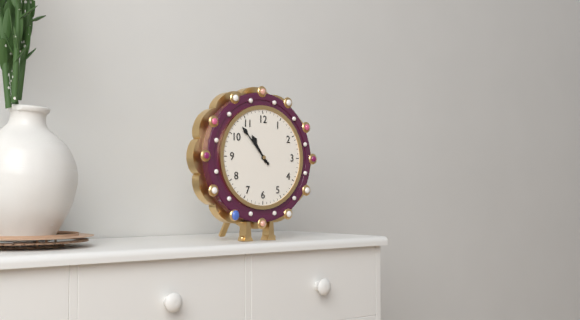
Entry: h=10 m=53
